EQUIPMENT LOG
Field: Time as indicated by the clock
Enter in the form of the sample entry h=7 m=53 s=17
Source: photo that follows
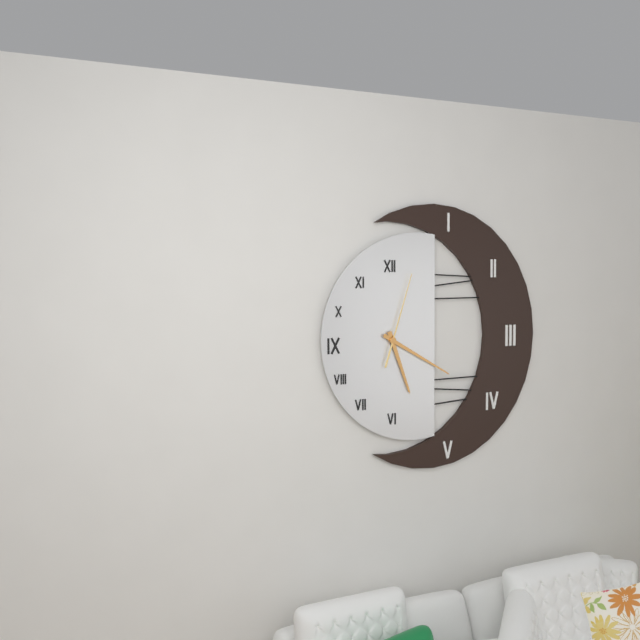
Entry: h=5 m=20 s=3
